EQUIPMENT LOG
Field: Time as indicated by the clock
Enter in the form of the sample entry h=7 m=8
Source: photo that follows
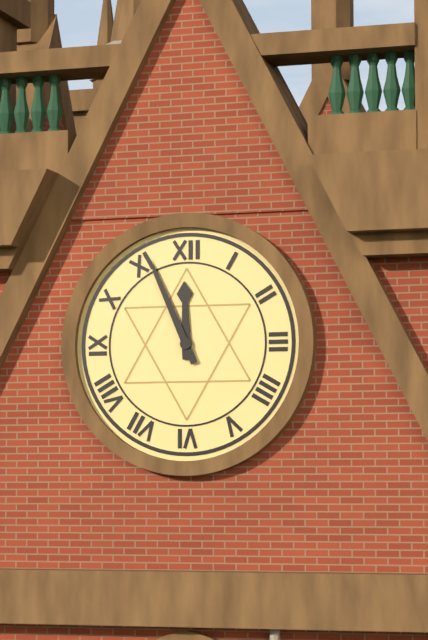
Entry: h=11 m=56
